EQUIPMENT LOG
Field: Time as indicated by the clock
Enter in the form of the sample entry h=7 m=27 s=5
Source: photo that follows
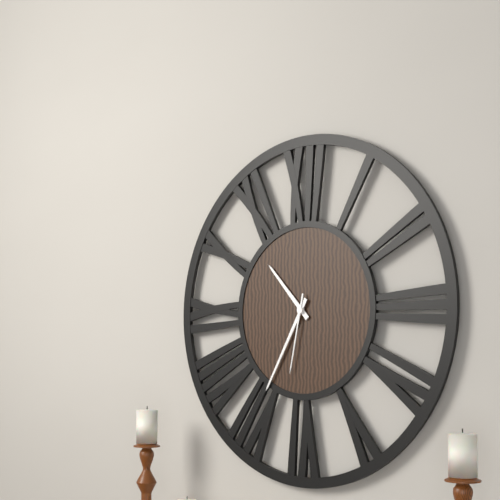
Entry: h=10 m=35 s=32
